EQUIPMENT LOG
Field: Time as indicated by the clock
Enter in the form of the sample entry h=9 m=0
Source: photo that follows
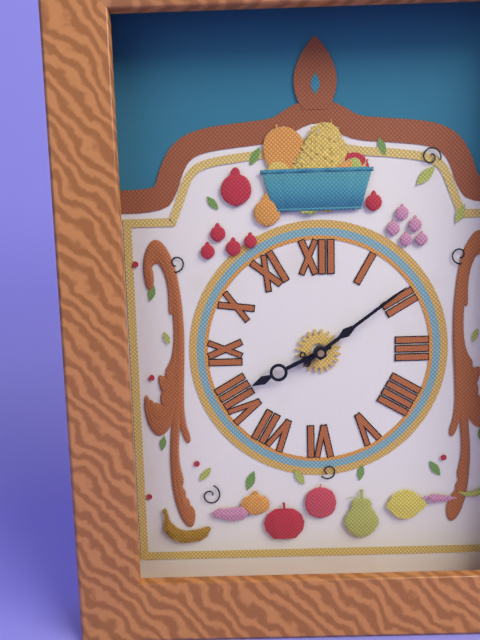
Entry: h=8 m=9
